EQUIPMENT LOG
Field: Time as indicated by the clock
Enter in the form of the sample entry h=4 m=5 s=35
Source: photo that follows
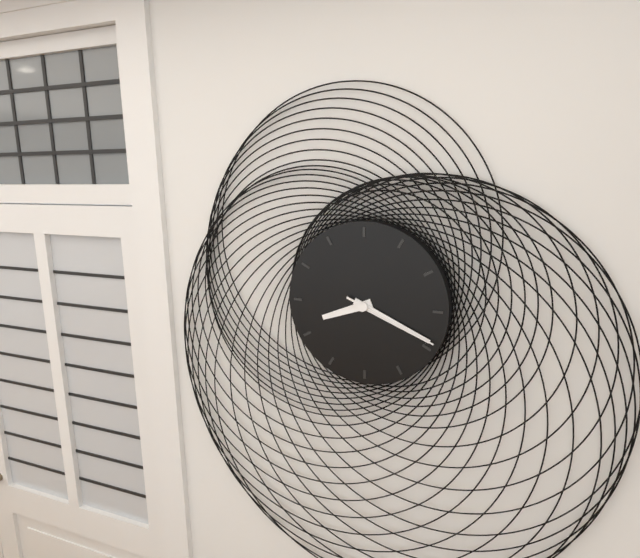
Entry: h=8 m=19 s=19
